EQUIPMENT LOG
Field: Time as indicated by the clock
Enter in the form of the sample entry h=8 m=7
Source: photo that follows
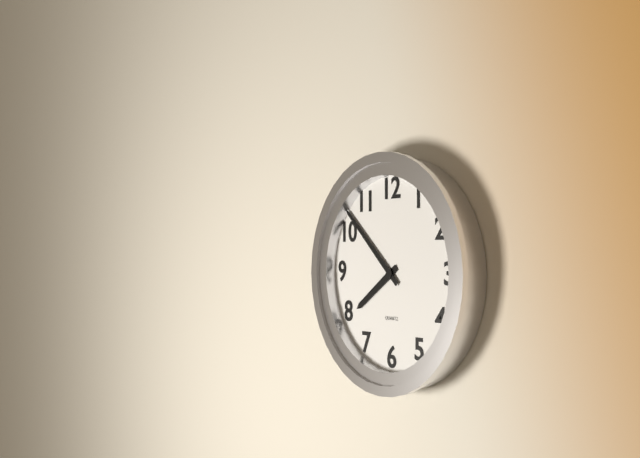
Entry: h=7 m=52
